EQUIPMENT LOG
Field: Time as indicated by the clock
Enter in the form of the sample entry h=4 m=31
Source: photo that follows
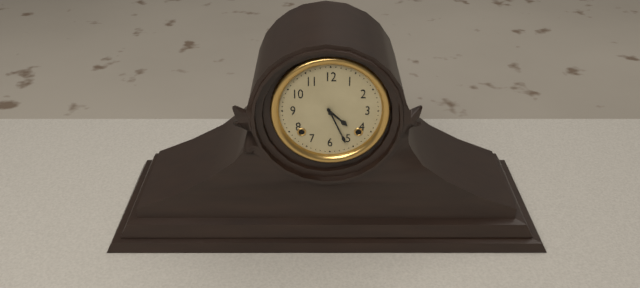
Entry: h=4 m=26
